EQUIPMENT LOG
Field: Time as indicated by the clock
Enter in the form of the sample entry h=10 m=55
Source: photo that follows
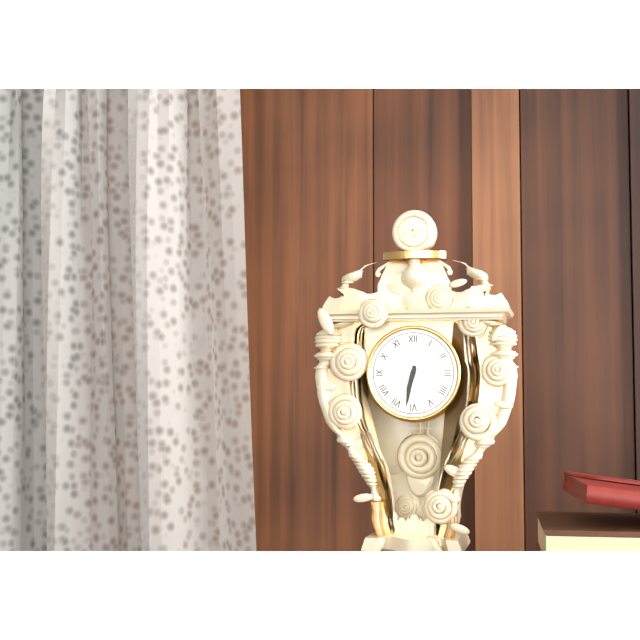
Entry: h=6 m=32
